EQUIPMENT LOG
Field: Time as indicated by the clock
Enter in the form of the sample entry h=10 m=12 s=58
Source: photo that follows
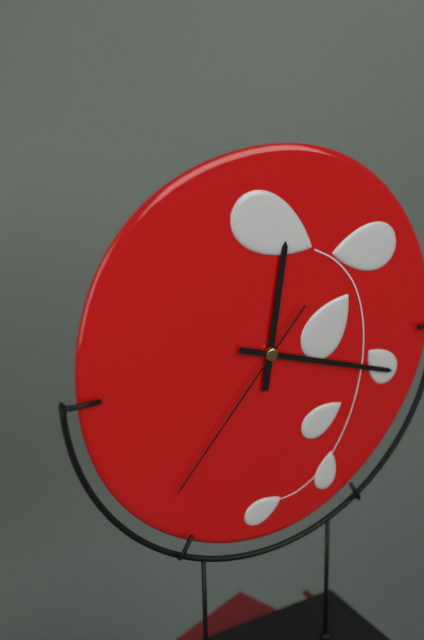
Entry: h=12 m=18 s=37
